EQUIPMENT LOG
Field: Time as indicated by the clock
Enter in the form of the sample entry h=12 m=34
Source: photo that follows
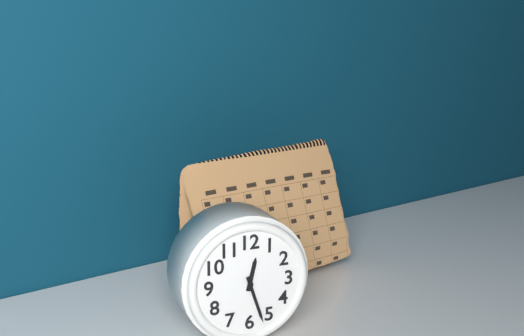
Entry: h=12 m=27
